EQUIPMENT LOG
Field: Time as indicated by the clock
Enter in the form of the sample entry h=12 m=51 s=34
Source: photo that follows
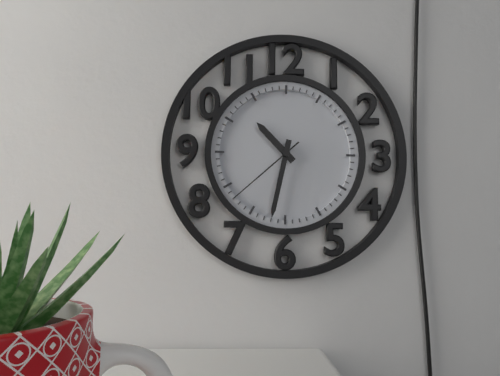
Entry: h=10 m=32 s=38
